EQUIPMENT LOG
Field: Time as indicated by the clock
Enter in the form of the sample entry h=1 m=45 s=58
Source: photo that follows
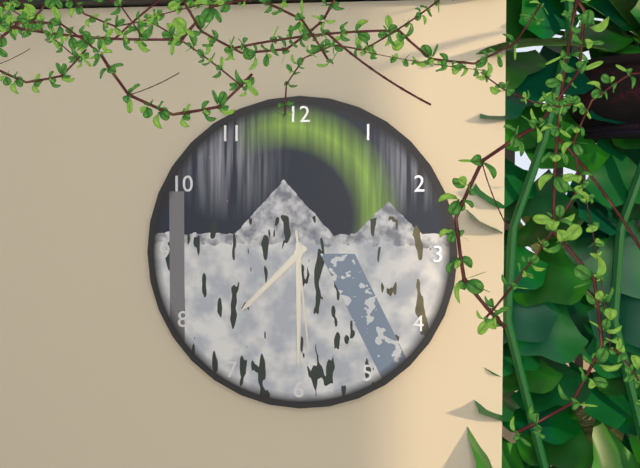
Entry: h=7 m=30 s=29
